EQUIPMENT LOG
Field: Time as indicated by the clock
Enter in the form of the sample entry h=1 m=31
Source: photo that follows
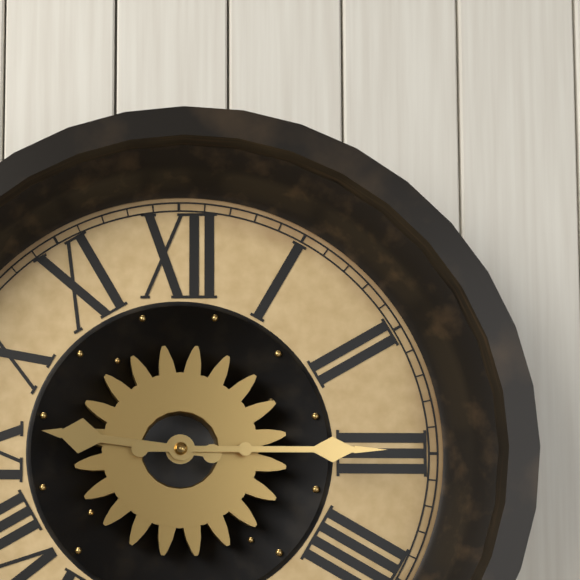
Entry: h=9 m=15
